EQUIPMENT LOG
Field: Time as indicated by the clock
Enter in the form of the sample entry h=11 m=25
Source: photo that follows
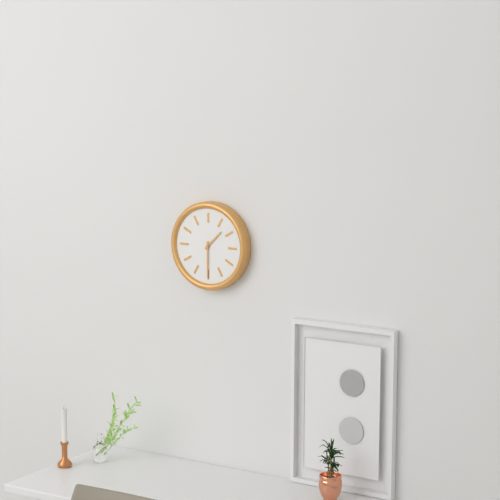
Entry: h=1 m=30
